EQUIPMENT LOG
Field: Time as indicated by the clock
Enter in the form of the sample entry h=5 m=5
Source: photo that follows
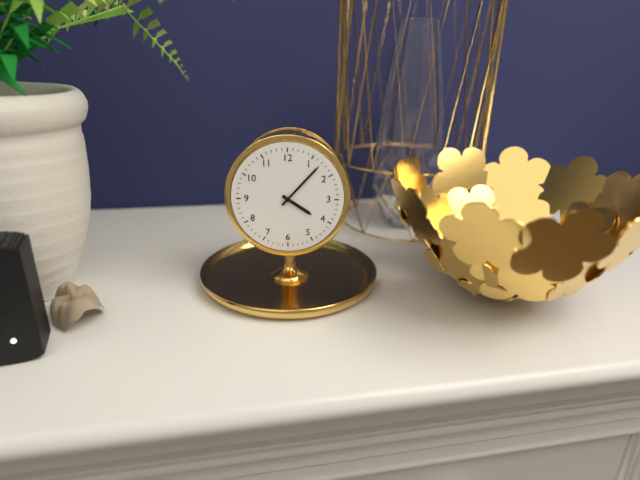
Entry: h=4 m=7
